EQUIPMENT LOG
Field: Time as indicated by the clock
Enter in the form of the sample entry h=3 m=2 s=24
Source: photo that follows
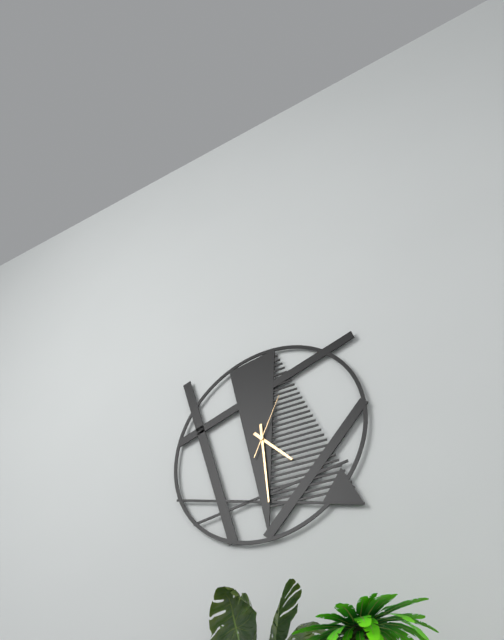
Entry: h=4 m=29 s=4
